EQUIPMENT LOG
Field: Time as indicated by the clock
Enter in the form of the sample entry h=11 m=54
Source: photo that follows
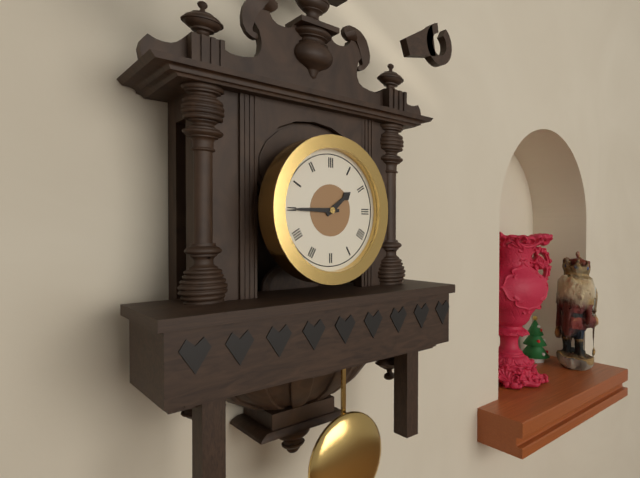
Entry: h=1 m=45
